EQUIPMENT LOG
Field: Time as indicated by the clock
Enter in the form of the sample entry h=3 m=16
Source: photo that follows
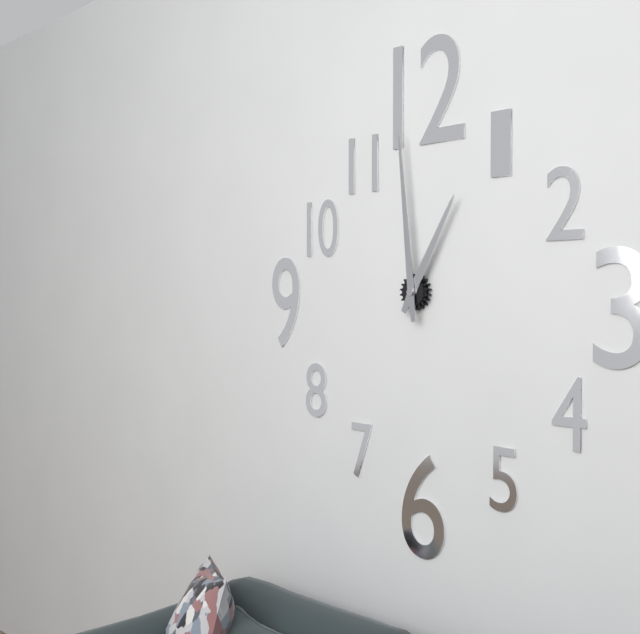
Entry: h=12 m=59
